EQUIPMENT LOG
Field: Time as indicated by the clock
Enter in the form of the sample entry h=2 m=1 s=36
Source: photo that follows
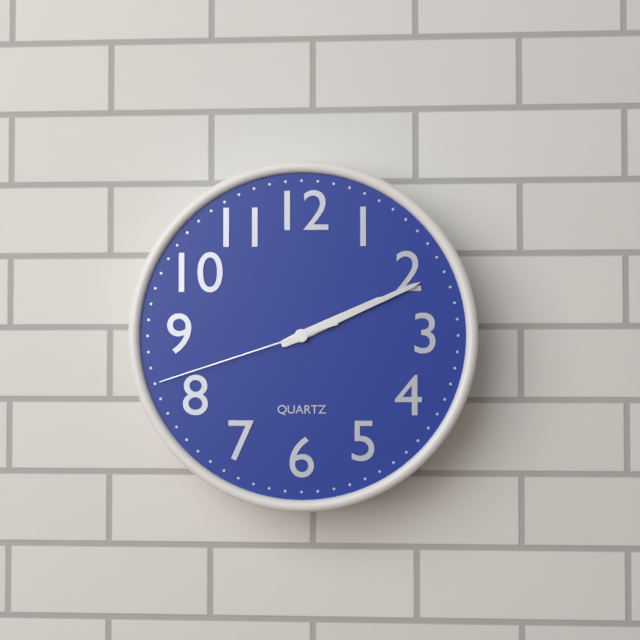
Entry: h=2 m=11 s=42
